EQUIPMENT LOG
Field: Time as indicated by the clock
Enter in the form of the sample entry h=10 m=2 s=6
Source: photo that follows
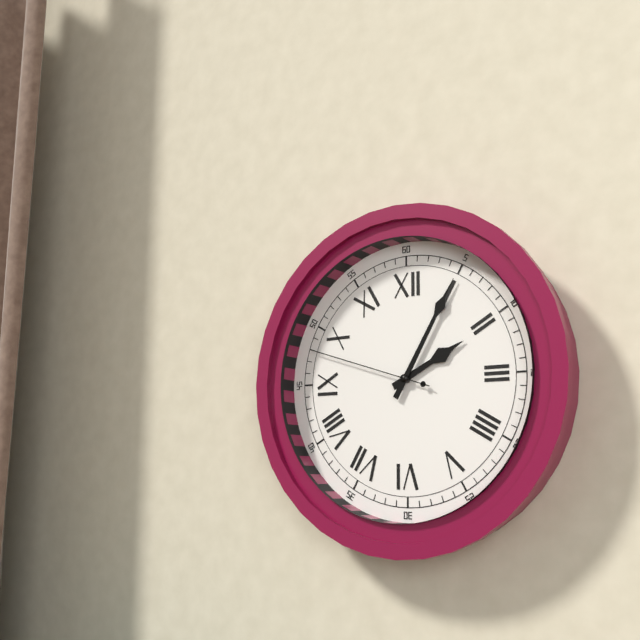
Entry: h=2 m=5 s=48
